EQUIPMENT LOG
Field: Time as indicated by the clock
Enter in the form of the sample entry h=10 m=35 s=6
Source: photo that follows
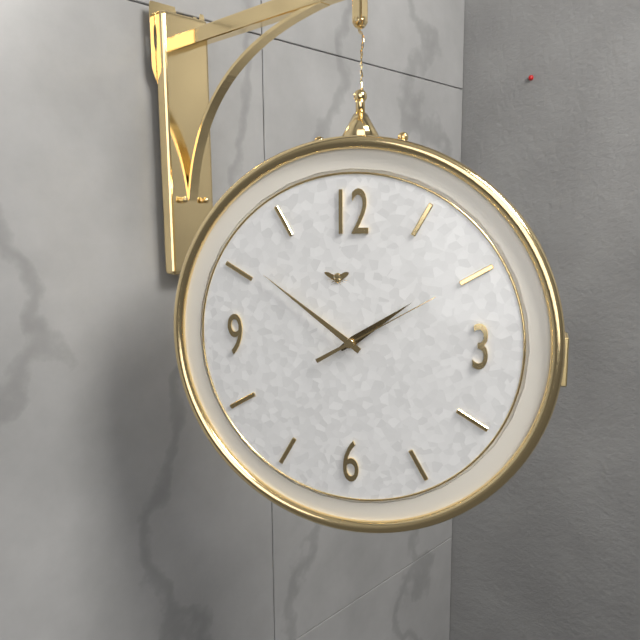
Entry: h=1 m=51 s=10
